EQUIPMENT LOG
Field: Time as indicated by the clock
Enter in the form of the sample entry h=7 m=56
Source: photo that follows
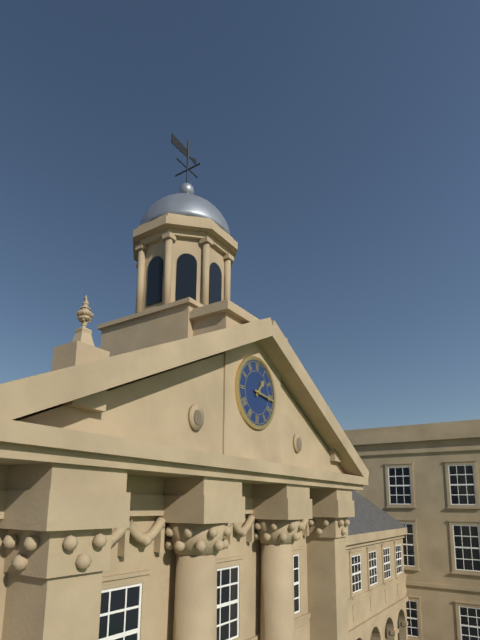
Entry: h=1 m=16
